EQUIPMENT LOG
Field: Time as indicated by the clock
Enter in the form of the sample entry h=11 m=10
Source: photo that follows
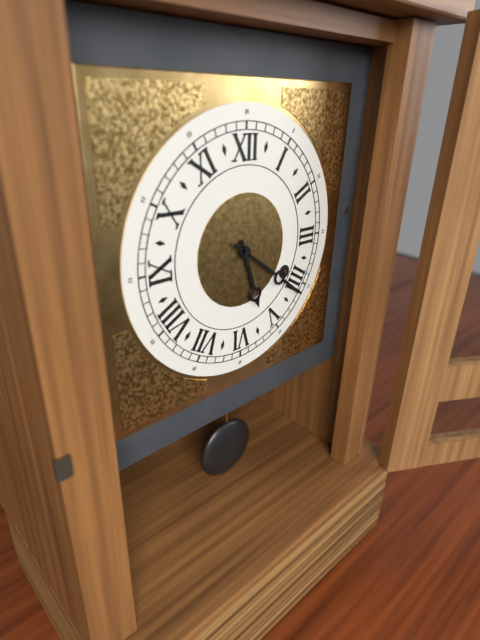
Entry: h=5 m=21
